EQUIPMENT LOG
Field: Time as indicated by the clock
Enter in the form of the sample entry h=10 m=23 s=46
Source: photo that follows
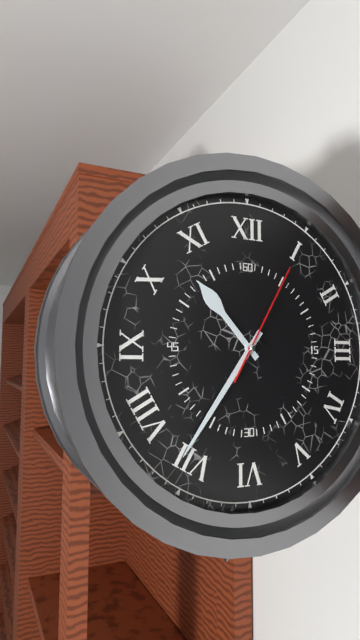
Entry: h=10 m=36 s=5
